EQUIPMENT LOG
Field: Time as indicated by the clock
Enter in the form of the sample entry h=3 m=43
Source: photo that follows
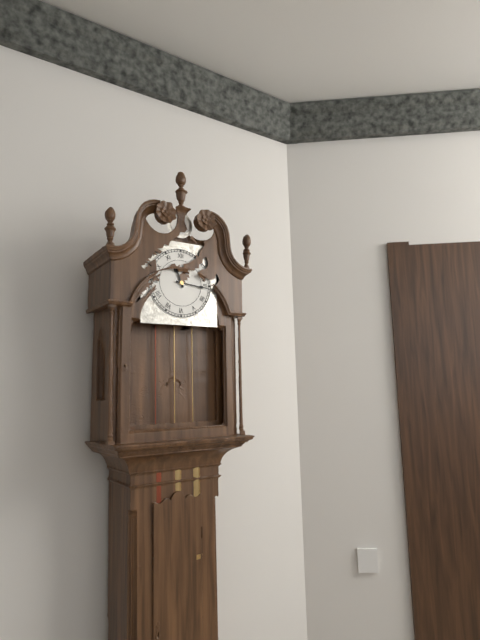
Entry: h=11 m=16
